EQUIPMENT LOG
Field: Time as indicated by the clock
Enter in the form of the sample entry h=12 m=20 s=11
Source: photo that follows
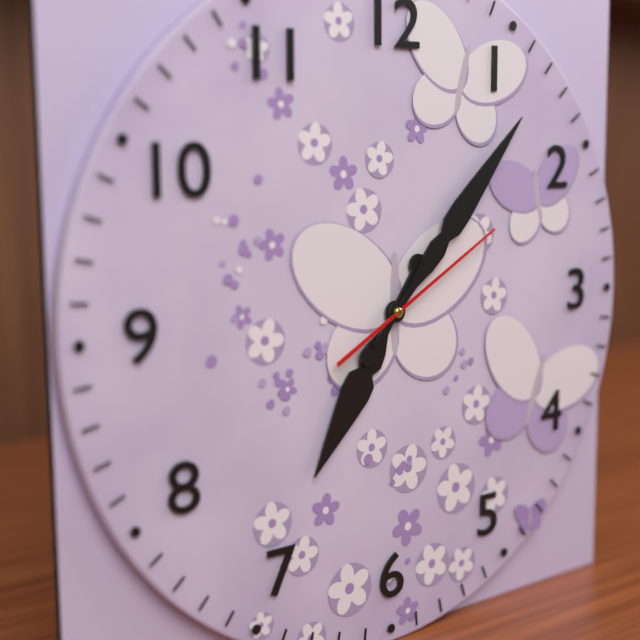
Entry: h=7 m=7 s=10
